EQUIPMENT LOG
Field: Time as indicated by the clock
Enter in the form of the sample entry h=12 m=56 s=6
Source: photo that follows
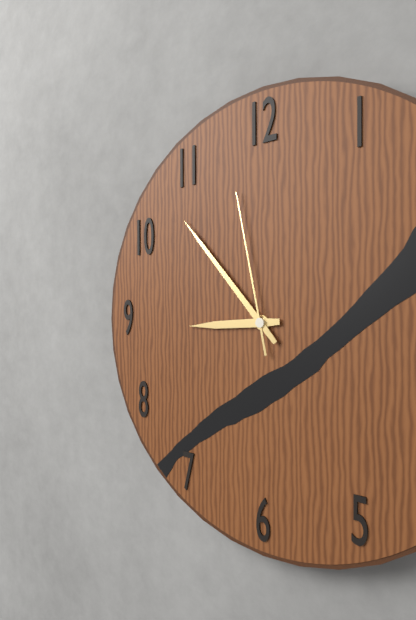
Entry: h=8 m=53 s=58
